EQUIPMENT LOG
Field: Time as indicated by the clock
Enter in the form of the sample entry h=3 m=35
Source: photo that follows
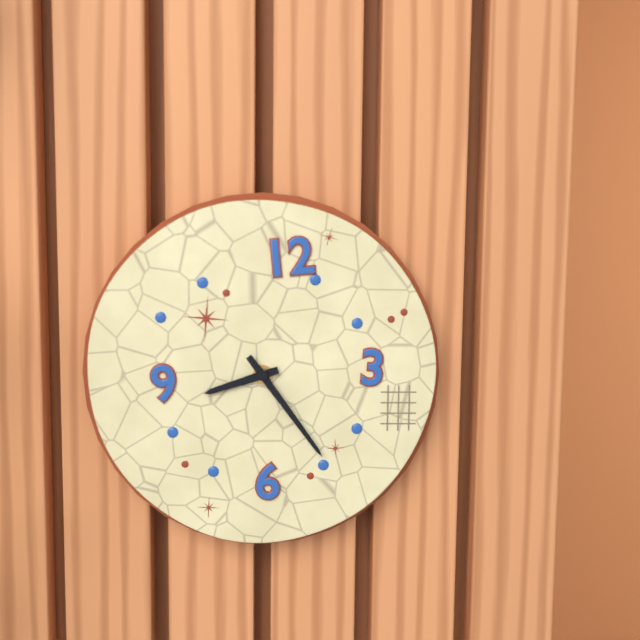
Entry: h=8 m=24
